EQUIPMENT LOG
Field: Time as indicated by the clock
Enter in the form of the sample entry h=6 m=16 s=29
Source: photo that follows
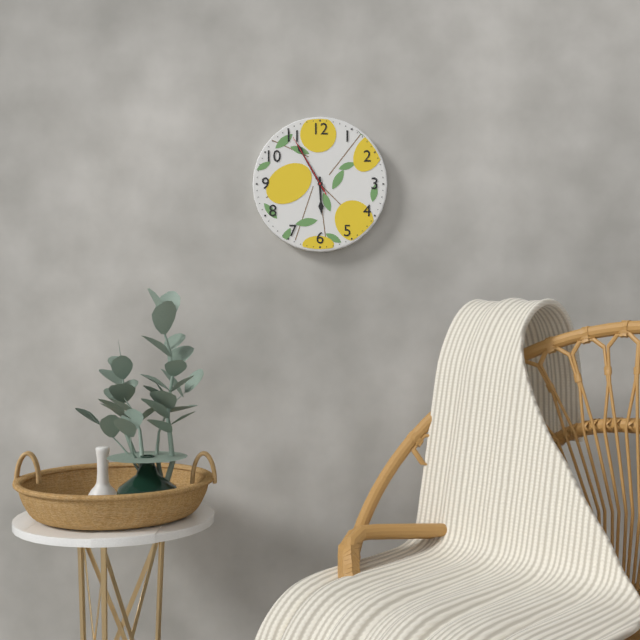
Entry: h=5 m=55 s=55
